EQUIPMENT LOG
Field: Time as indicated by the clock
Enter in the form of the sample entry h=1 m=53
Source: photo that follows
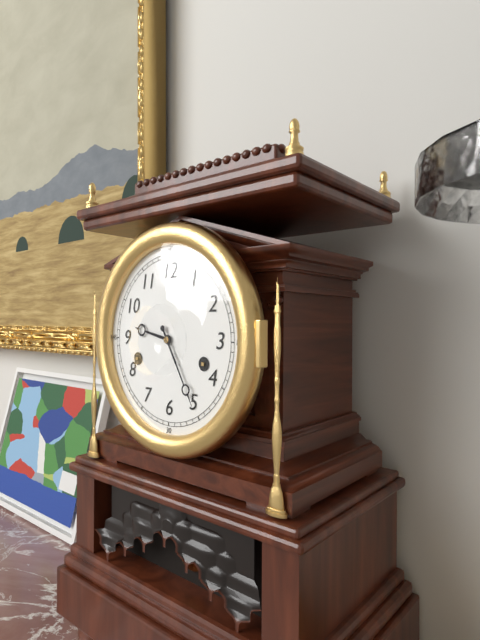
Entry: h=9 m=25
